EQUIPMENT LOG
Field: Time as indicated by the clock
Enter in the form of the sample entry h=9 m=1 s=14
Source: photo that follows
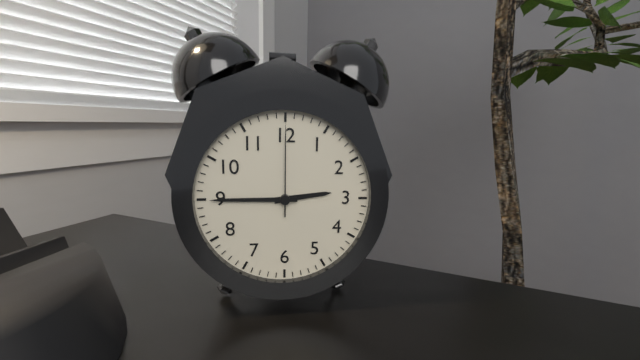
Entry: h=2 m=45 s=0
